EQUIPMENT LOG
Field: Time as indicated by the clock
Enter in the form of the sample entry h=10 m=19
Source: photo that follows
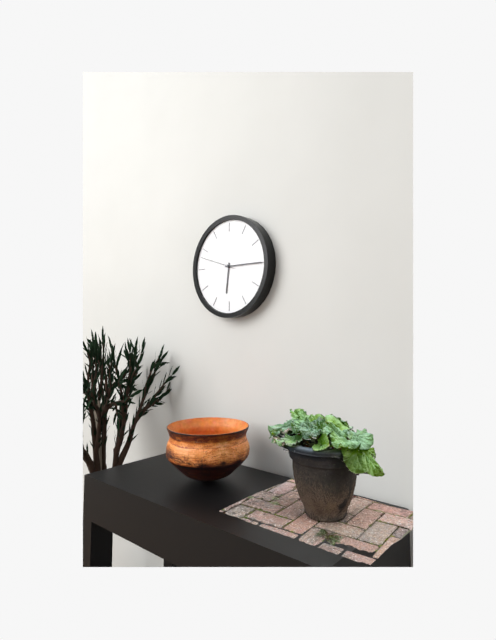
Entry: h=6 m=15
